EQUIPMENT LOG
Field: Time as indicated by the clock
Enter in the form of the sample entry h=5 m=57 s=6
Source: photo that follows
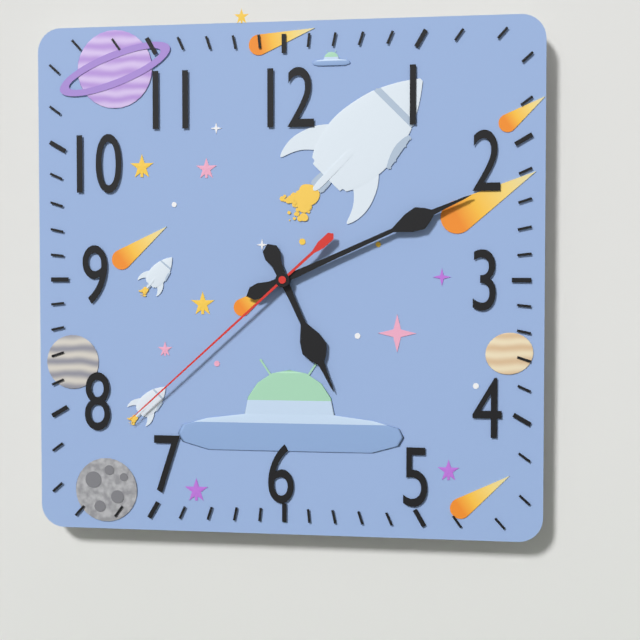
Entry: h=5 m=11 s=38
